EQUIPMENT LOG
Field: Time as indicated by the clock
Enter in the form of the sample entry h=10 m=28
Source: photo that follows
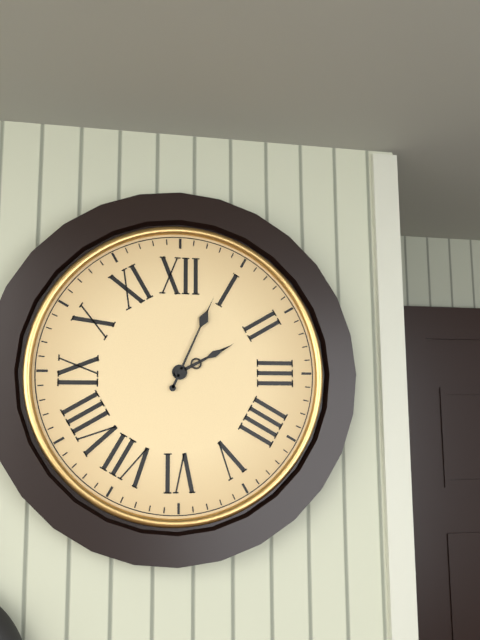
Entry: h=2 m=4
